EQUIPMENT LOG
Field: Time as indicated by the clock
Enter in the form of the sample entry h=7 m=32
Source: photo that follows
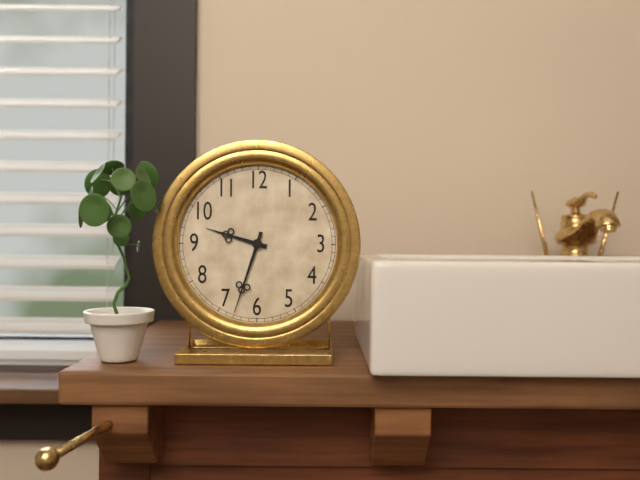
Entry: h=9 m=33
